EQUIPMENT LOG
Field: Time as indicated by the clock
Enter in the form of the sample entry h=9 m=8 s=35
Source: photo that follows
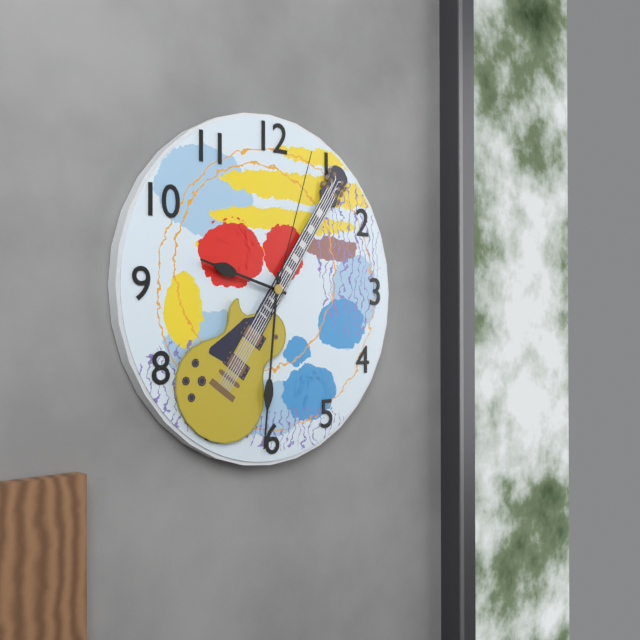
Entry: h=9 m=31 s=3
